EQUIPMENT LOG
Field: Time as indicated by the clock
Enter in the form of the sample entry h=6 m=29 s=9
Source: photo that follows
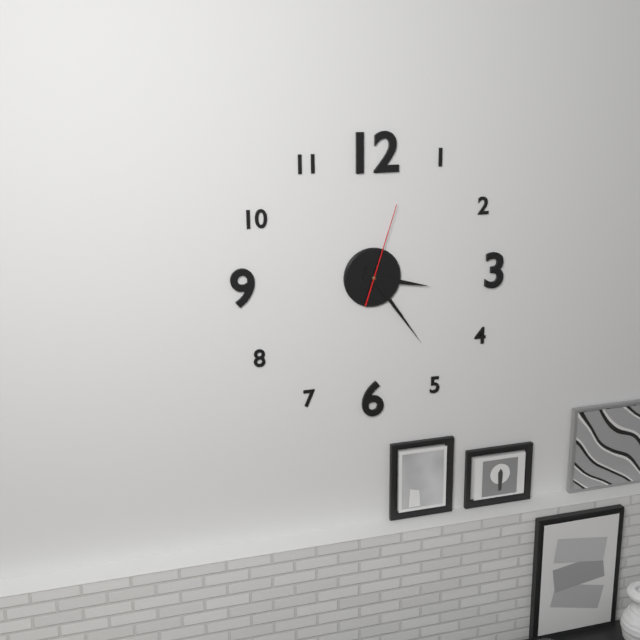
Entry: h=3 m=24 s=3
